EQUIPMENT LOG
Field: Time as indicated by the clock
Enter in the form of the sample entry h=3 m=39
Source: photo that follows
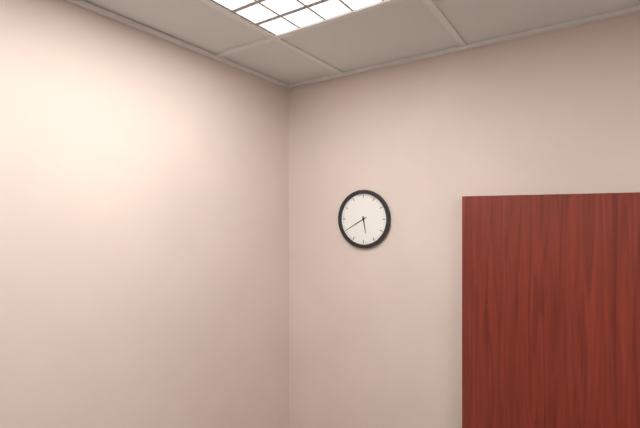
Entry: h=5 m=40
